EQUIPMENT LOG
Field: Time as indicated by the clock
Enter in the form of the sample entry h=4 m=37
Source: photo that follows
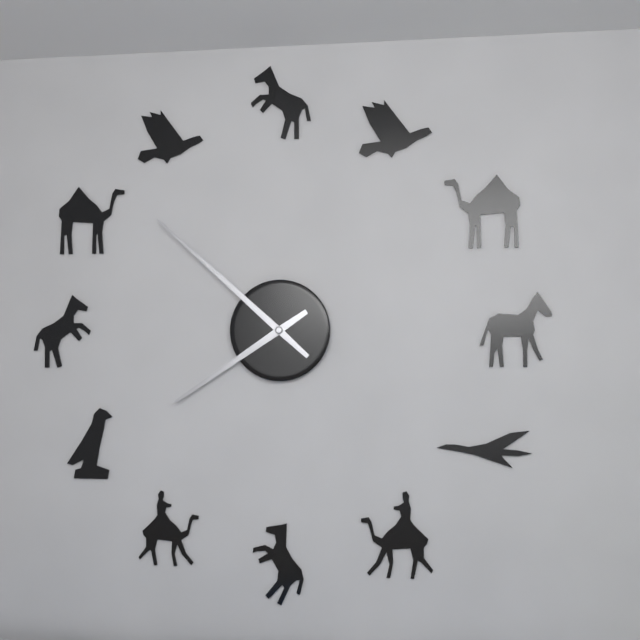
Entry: h=7 m=52
